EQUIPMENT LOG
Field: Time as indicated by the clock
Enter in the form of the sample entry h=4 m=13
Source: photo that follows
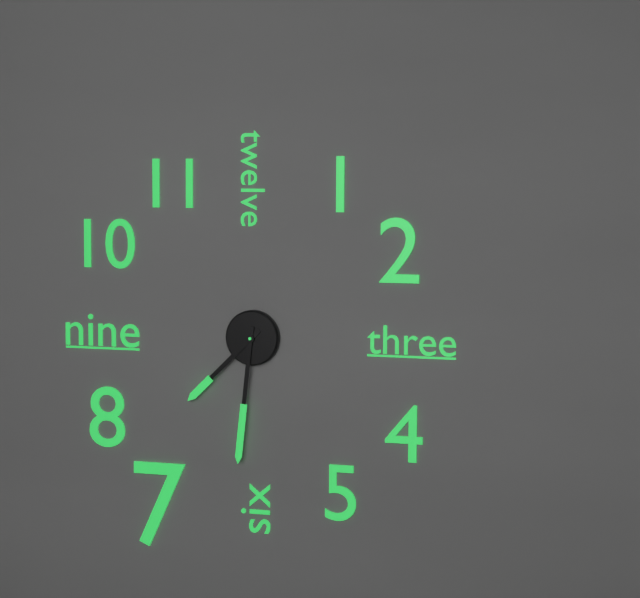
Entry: h=7 m=31
